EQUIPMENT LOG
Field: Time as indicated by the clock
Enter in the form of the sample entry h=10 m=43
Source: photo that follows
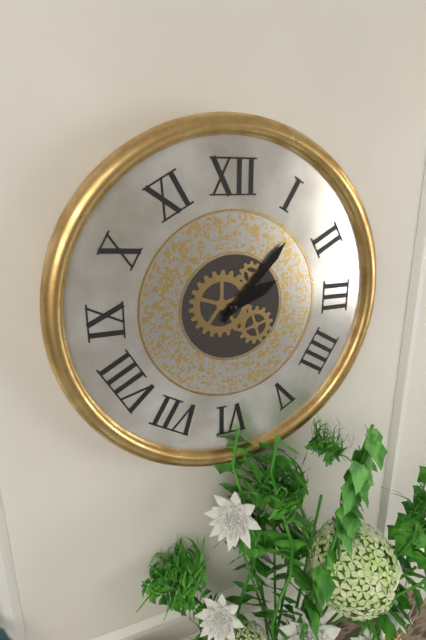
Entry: h=2 m=7
